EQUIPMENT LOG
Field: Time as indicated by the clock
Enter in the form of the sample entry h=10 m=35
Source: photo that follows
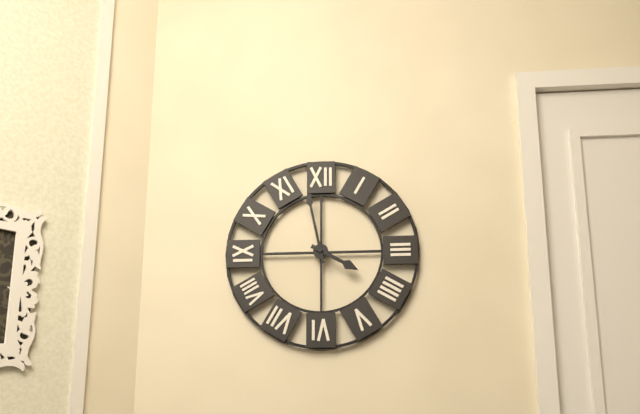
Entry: h=3 m=58
